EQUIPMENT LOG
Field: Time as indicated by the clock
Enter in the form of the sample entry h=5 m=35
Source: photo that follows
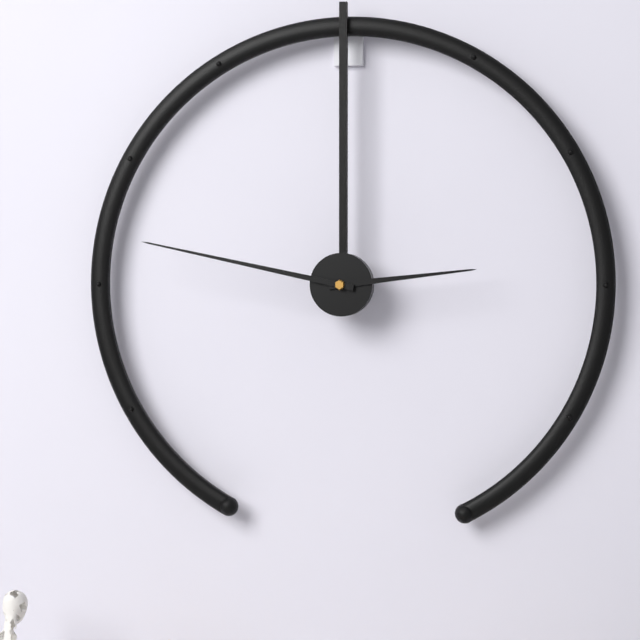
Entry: h=2 m=47
